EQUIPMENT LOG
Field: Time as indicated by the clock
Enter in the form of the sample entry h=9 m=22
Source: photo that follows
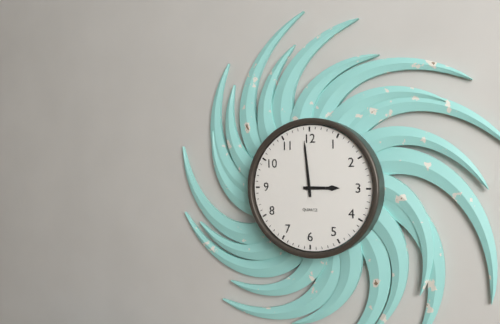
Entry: h=2 m=59
